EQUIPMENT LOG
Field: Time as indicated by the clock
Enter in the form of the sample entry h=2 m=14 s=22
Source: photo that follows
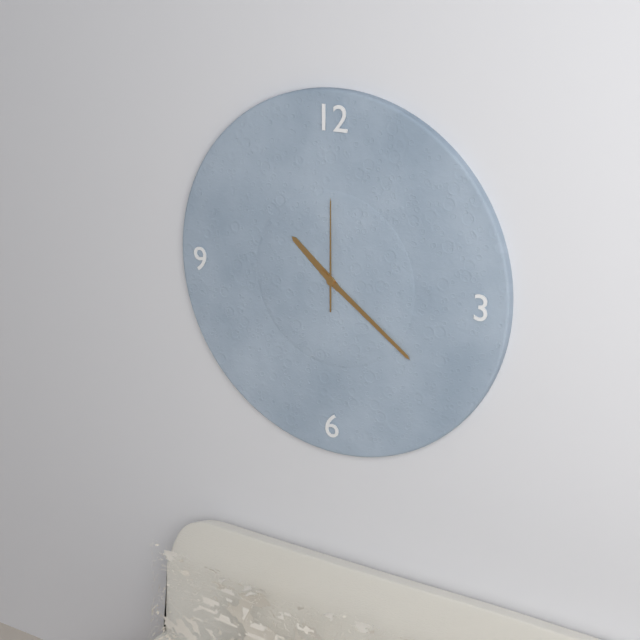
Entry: h=10 m=21 s=0
